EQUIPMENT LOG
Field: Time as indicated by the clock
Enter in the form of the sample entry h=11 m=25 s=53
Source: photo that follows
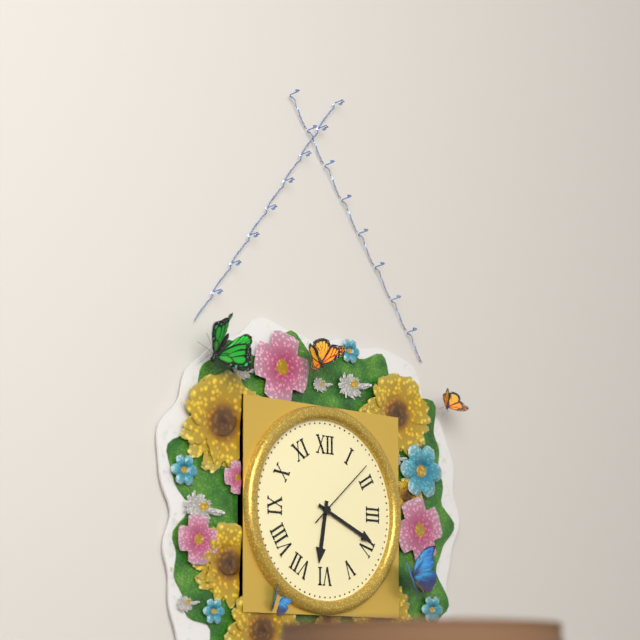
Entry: h=6 m=19 s=8
